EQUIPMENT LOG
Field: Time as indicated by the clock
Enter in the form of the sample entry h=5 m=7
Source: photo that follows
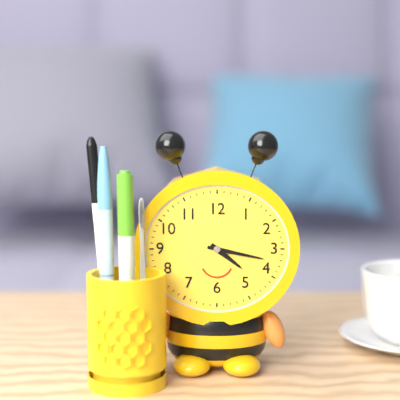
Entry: h=4 m=17
